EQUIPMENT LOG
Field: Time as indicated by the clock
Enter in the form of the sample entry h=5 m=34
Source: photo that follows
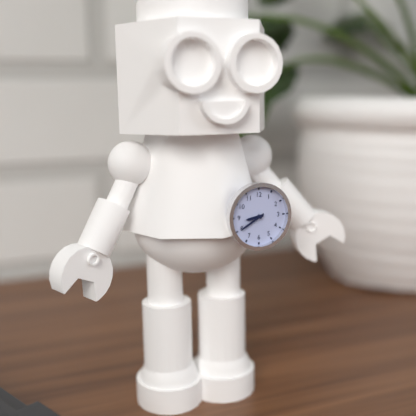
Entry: h=8 m=40
